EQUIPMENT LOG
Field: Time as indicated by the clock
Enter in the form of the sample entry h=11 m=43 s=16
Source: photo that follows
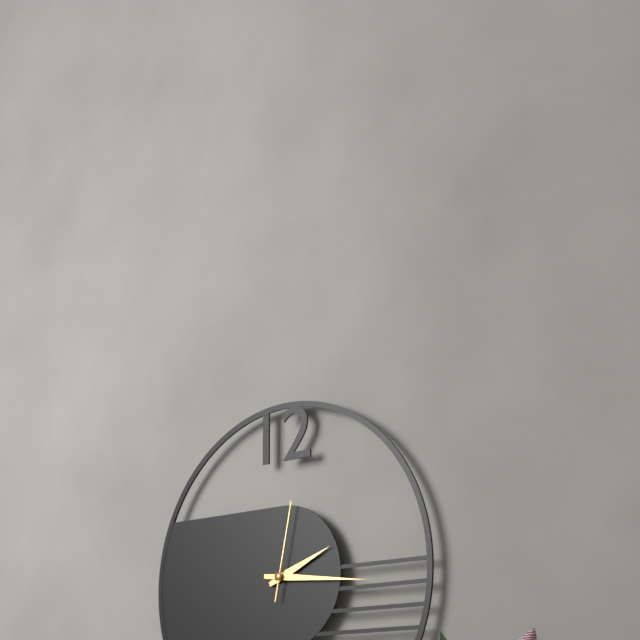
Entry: h=2 m=16 s=2
